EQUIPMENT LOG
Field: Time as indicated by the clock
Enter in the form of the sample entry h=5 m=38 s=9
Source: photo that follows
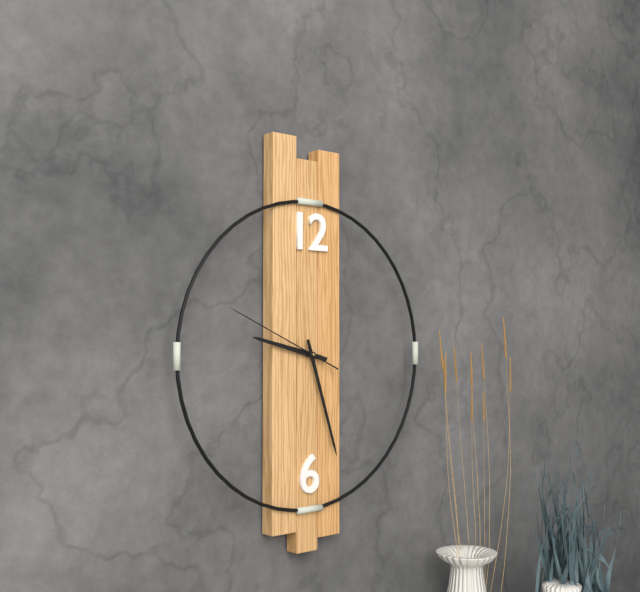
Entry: h=9 m=27 s=49
